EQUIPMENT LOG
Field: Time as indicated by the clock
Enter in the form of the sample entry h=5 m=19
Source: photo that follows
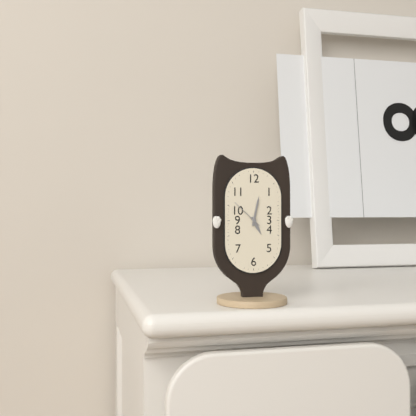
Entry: h=5 m=2
